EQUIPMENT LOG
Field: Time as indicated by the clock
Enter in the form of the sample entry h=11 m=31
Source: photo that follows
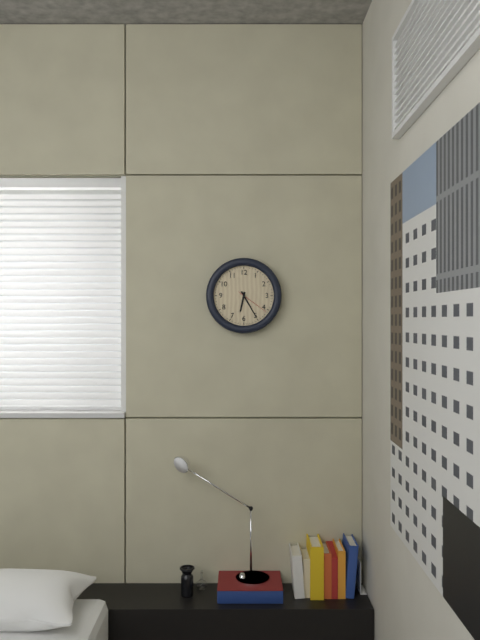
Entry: h=6 m=25
